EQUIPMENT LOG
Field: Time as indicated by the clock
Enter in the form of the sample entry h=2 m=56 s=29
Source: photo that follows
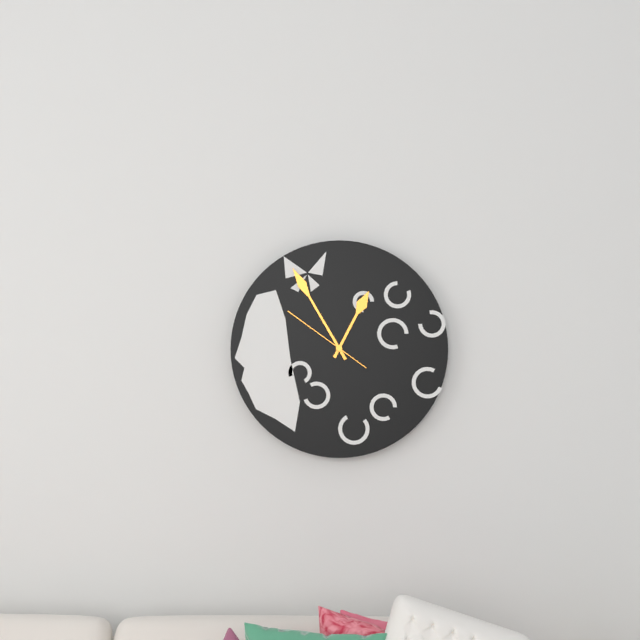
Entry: h=12 m=55 s=51
